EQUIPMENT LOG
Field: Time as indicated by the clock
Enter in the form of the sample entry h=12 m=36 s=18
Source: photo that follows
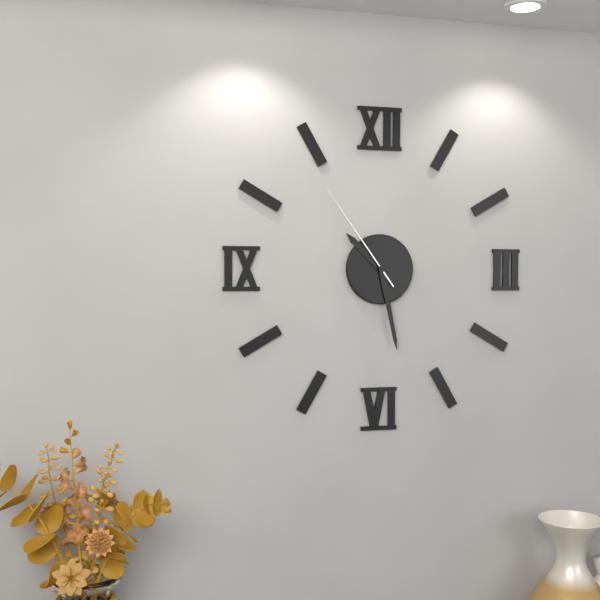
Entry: h=10 m=28 s=54
